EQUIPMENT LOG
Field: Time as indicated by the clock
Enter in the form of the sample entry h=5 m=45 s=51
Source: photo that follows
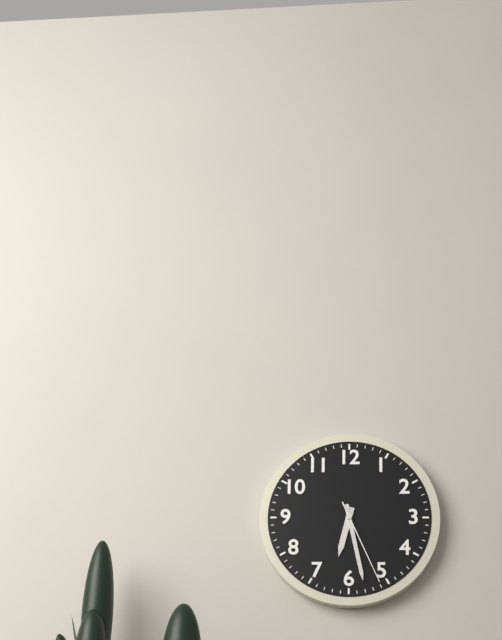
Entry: h=6 m=28 s=26
